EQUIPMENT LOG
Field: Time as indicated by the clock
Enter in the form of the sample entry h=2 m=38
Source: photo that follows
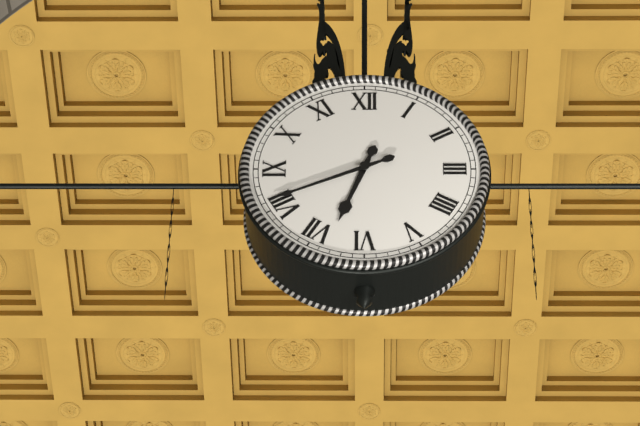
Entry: h=6 m=41
